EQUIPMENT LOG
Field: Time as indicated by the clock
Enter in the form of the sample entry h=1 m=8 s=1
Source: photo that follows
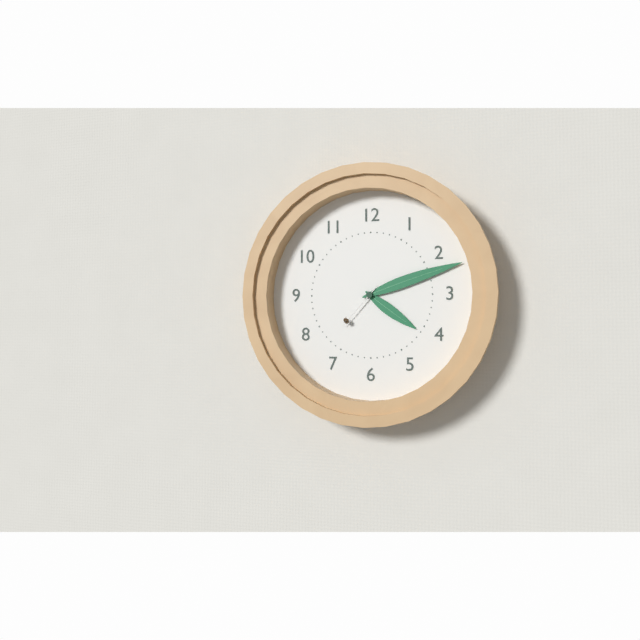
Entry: h=4 m=12 s=37
